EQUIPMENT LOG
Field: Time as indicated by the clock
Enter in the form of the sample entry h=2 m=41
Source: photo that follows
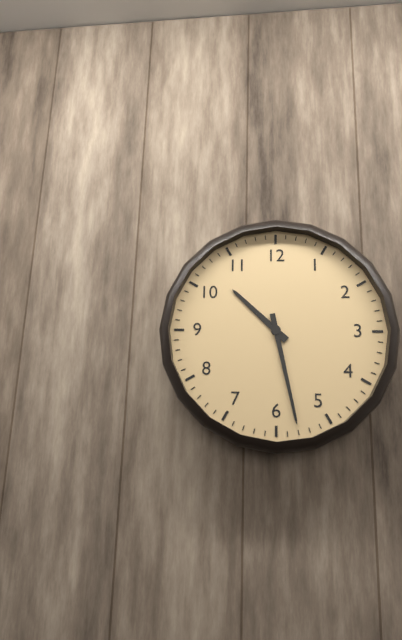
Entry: h=10 m=28
